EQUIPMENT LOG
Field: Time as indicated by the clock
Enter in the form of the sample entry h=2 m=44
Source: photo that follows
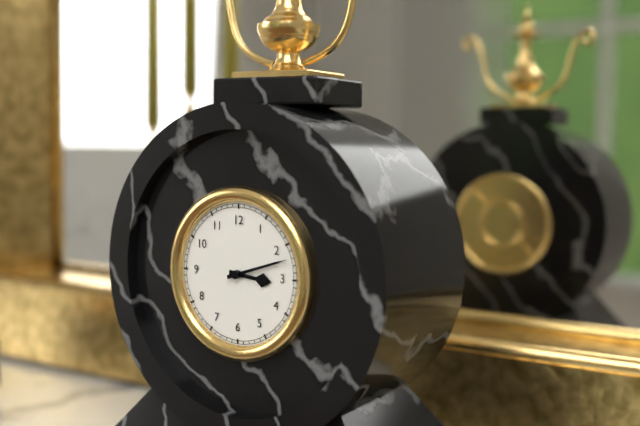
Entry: h=3 m=12
